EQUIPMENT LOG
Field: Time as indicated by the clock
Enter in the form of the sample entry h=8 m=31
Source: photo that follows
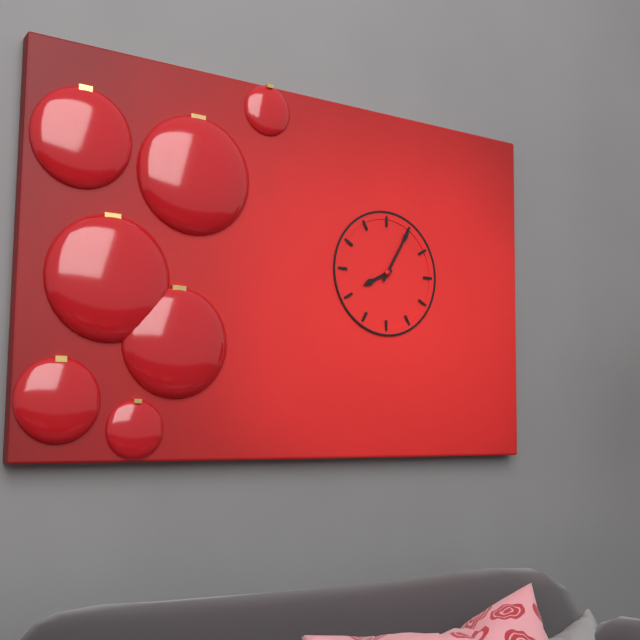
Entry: h=8 m=5
